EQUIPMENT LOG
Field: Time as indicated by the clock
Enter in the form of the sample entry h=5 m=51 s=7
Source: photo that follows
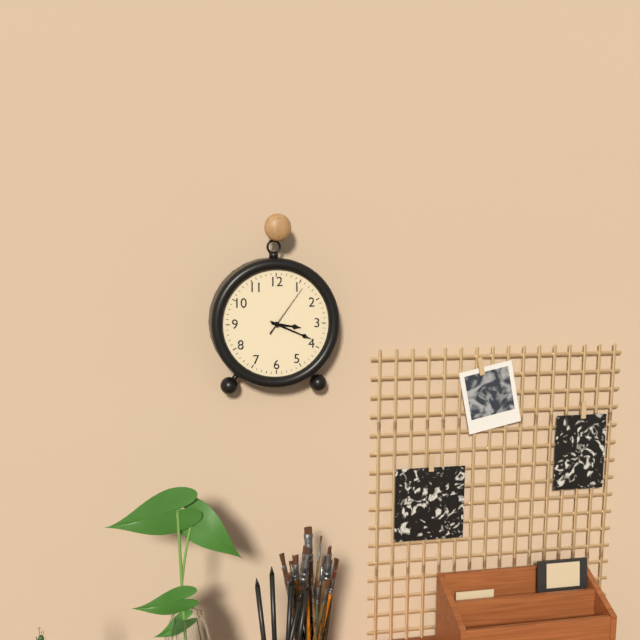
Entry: h=3 m=19 s=6
